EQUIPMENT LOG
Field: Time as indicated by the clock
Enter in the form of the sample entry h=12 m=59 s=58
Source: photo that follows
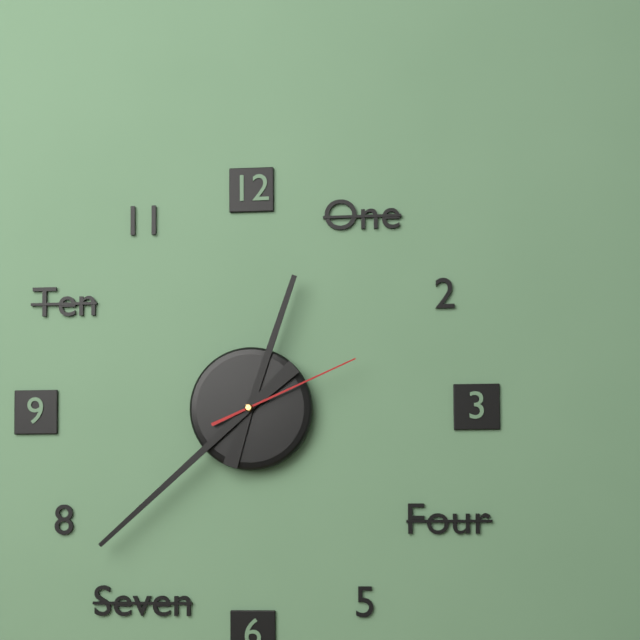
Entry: h=12 m=38 s=11
